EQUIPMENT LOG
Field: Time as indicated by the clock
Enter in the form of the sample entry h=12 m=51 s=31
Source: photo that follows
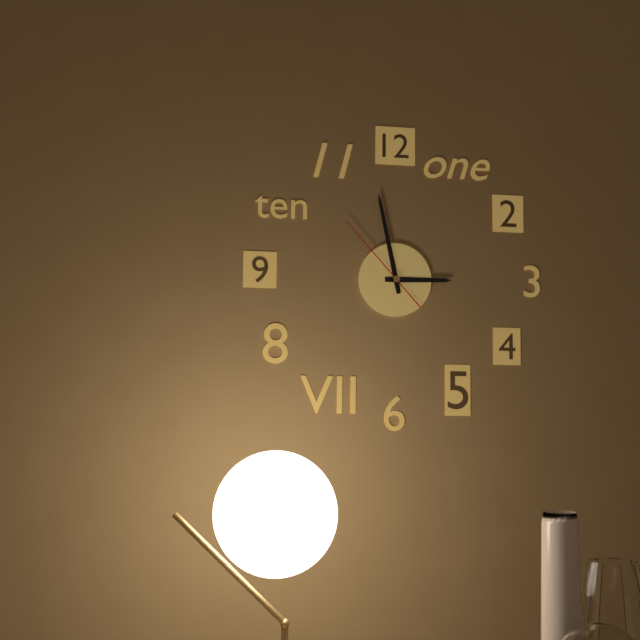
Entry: h=2 m=58 s=53
